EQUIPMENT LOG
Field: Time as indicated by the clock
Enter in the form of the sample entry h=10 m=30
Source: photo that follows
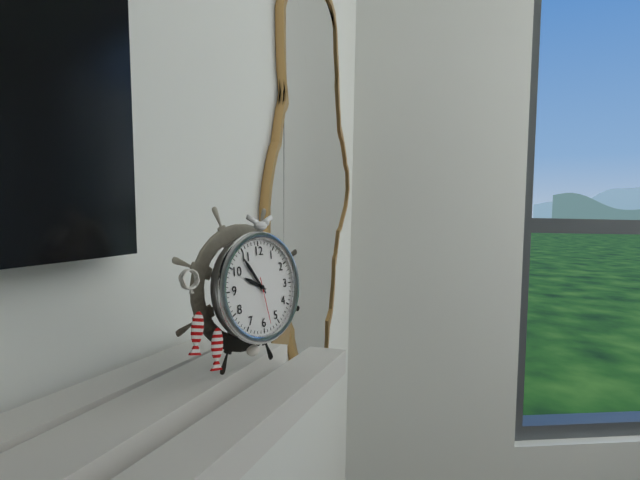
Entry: h=9 m=54
